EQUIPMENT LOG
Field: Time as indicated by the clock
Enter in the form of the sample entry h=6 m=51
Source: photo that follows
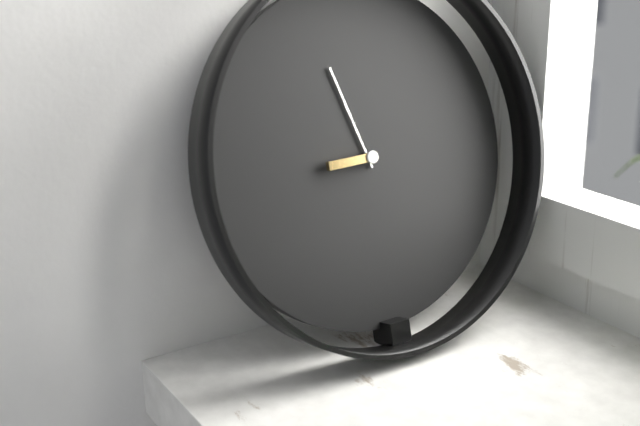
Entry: h=8 m=57
